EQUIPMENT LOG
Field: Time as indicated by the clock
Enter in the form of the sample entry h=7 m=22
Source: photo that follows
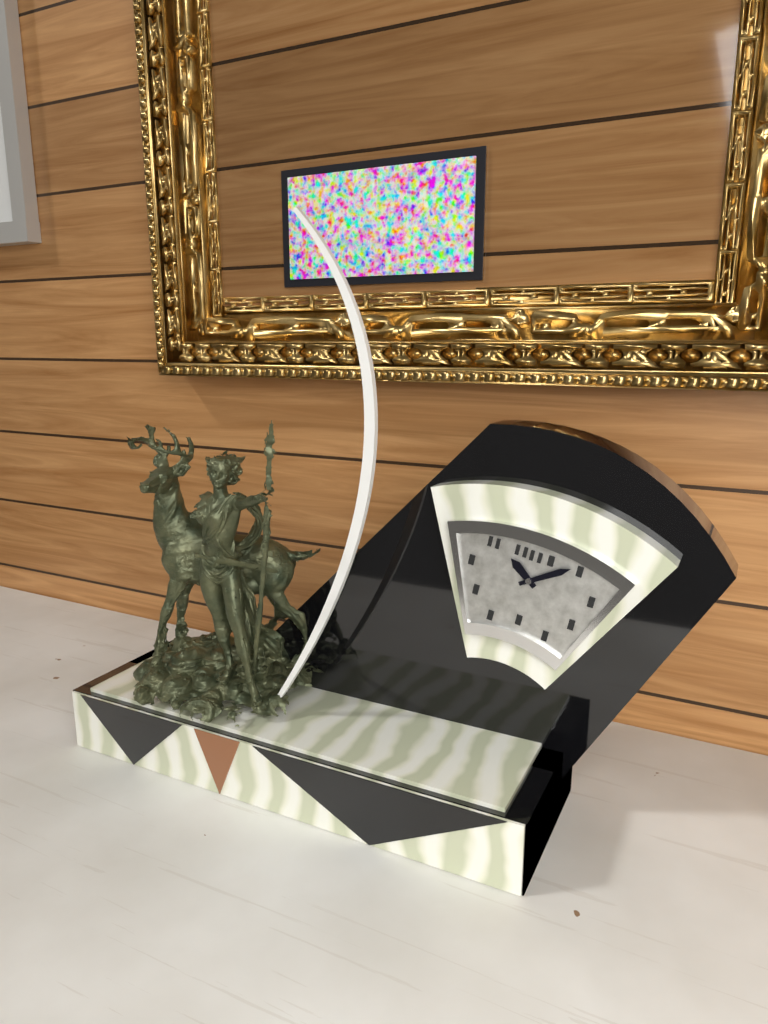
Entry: h=10 m=9
